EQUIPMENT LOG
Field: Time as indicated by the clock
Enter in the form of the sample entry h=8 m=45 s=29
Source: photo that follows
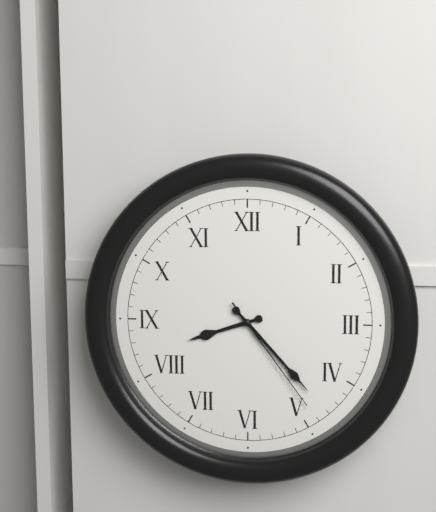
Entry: h=8 m=23 s=24
